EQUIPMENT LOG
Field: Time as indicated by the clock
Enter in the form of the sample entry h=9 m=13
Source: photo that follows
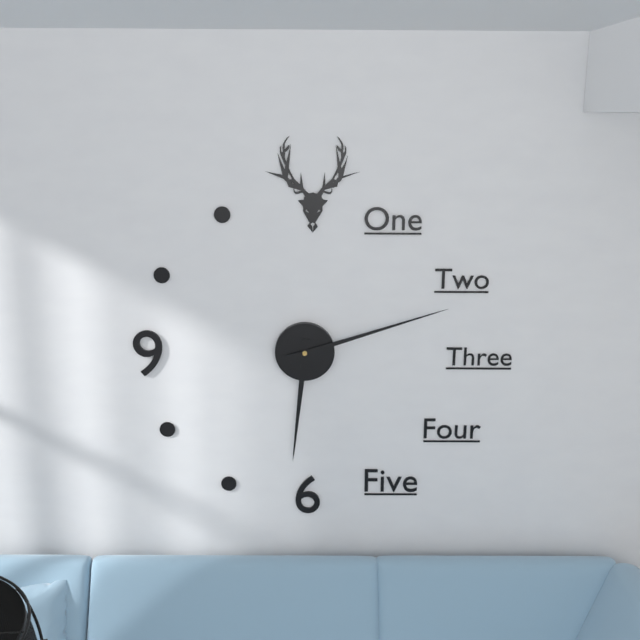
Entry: h=6 m=12
